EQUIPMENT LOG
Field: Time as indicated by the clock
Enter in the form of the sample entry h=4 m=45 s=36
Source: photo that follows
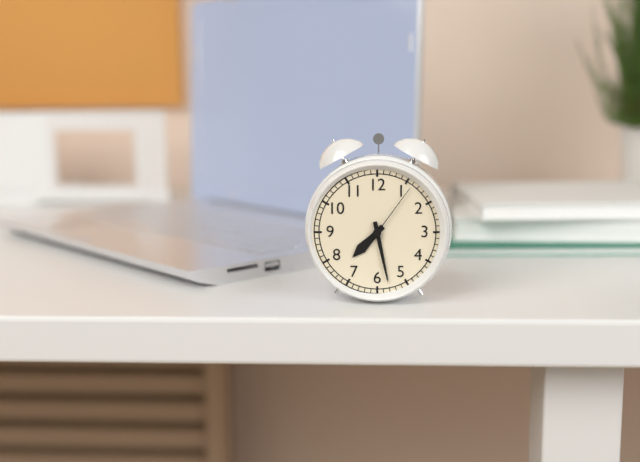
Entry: h=7 m=28 s=6
